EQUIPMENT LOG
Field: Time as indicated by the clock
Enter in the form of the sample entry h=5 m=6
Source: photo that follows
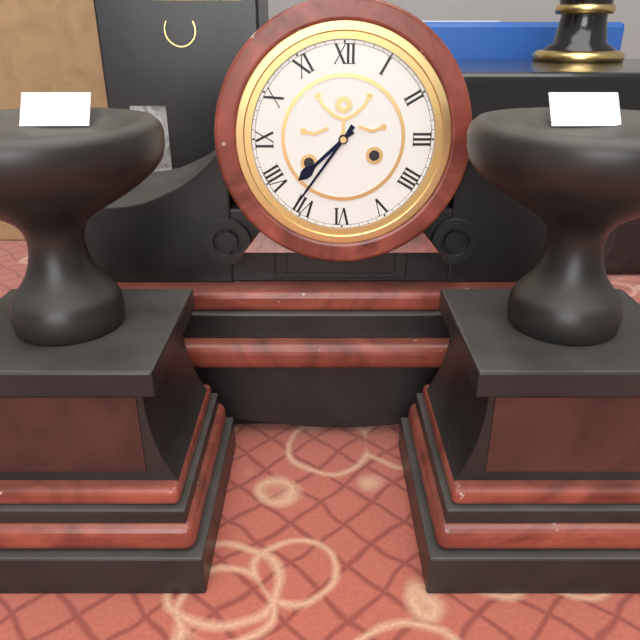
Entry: h=7 m=36
